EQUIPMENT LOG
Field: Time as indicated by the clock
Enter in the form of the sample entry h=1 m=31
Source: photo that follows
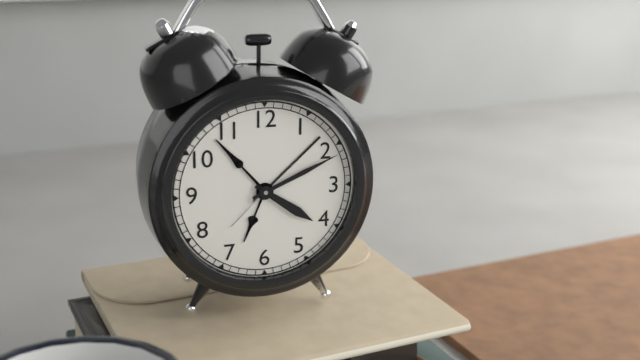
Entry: h=4 m=11
